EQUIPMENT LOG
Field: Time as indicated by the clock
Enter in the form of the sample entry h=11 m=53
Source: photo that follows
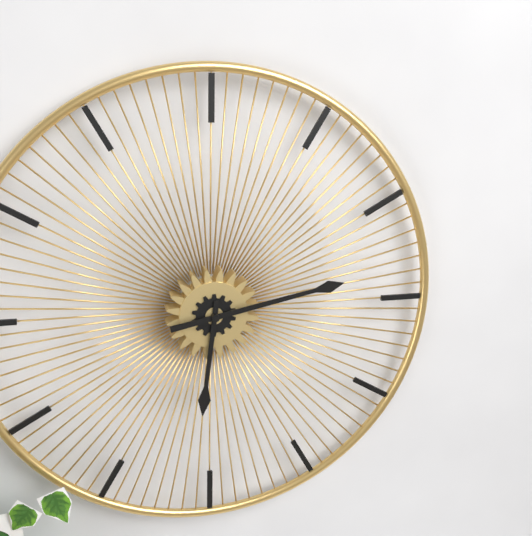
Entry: h=6 m=13
